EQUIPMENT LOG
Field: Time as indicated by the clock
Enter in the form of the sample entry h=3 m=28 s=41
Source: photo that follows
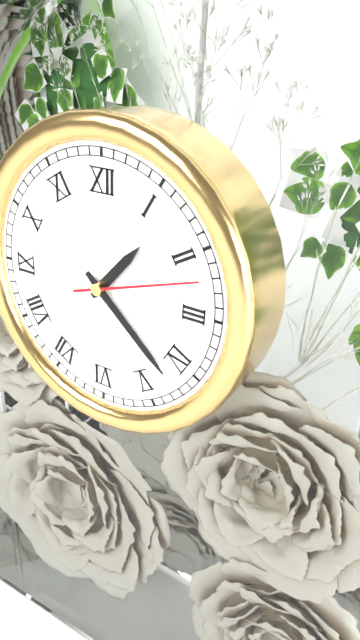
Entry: h=1 m=22 s=12
